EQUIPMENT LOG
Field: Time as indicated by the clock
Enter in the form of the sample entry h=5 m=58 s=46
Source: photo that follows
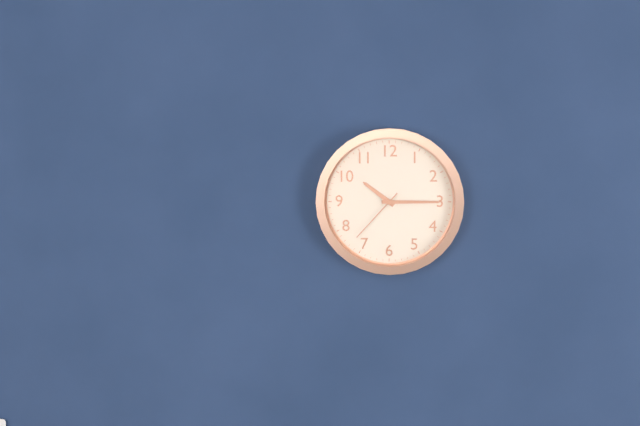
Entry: h=10 m=15 s=37
